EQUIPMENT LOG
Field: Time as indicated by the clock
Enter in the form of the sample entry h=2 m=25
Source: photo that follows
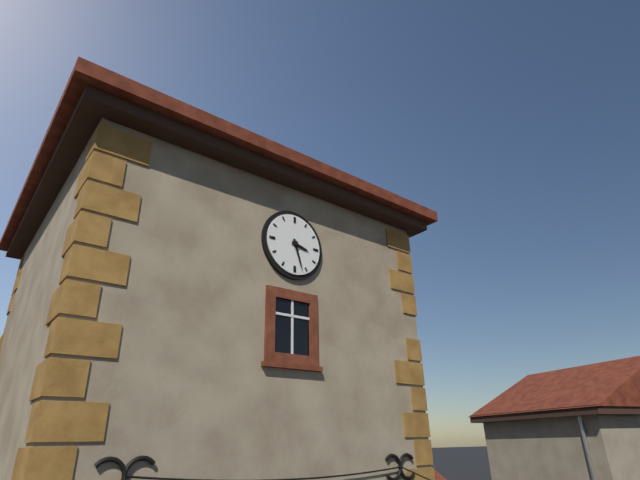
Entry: h=3 m=27
